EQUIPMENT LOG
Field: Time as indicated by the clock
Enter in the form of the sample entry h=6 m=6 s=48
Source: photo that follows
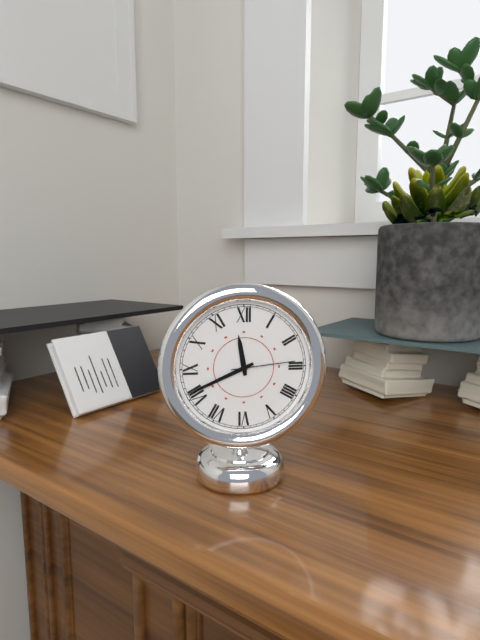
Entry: h=11 m=41 s=14
